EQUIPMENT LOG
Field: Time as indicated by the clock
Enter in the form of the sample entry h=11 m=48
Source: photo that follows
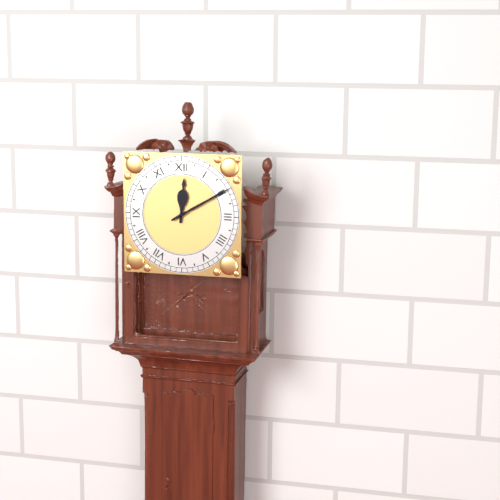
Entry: h=12 m=10
